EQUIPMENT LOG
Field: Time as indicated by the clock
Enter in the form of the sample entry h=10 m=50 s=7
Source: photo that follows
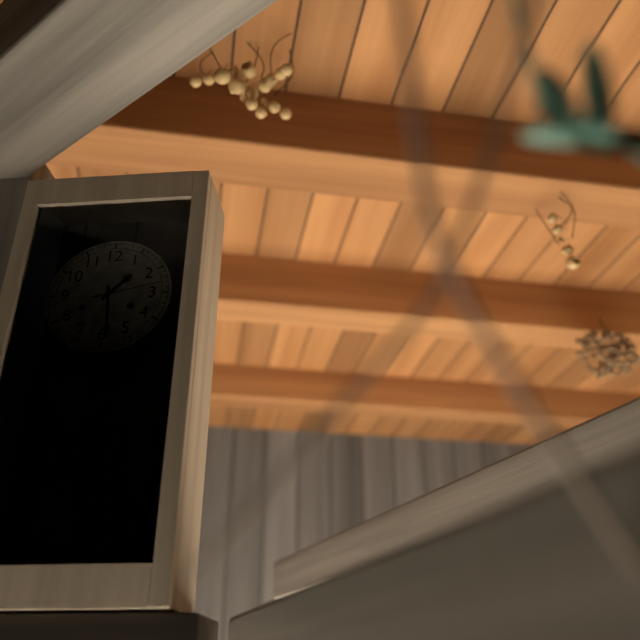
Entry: h=1 m=29 s=13
